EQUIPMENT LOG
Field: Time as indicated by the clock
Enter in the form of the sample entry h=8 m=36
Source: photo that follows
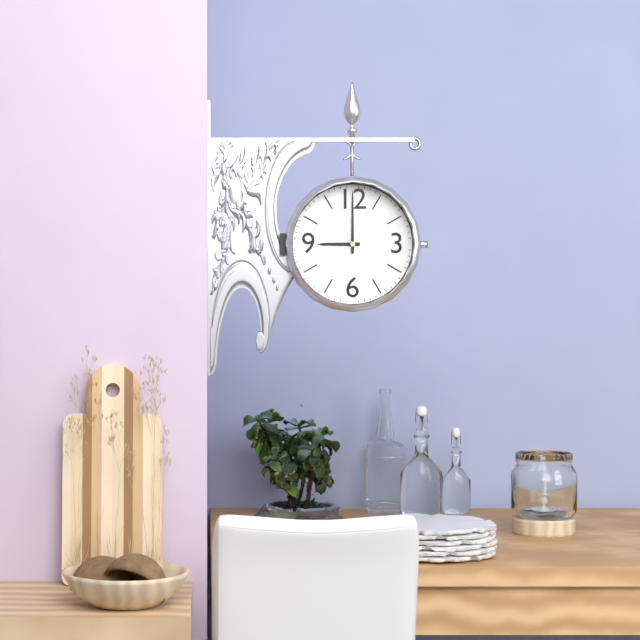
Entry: h=9 m=0
